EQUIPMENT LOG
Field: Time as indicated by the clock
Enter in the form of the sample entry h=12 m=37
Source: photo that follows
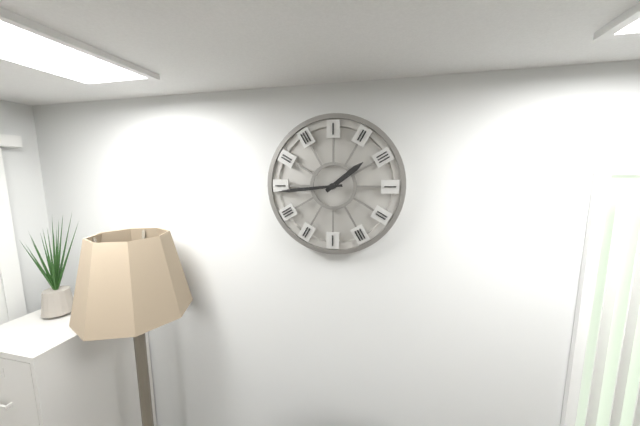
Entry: h=1 m=44
